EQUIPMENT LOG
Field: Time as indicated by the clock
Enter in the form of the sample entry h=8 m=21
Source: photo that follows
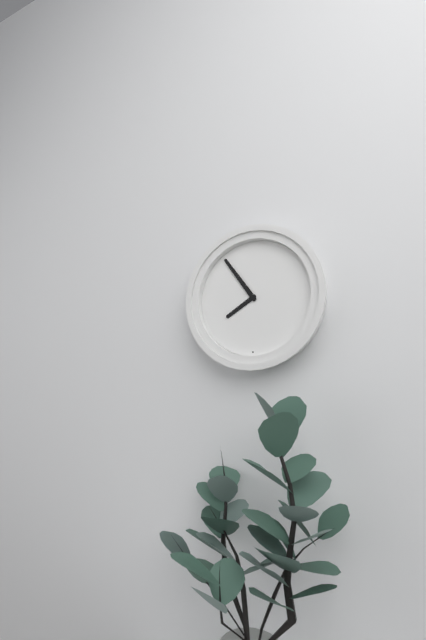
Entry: h=7 m=54
